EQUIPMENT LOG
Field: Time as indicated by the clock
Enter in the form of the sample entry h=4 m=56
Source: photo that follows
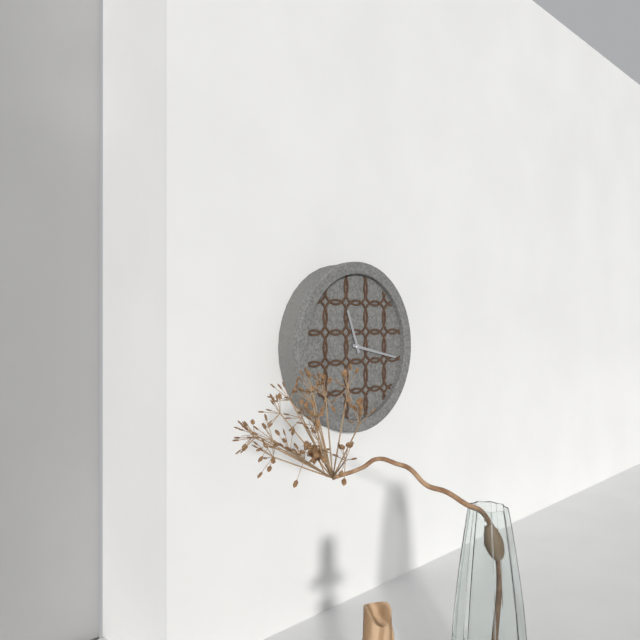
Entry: h=11 m=17
